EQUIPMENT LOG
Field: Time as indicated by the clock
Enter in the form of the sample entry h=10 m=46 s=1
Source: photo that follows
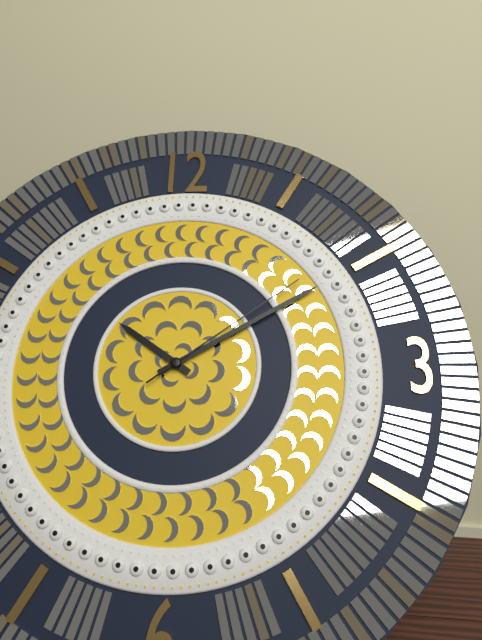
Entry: h=10 m=10 s=9
